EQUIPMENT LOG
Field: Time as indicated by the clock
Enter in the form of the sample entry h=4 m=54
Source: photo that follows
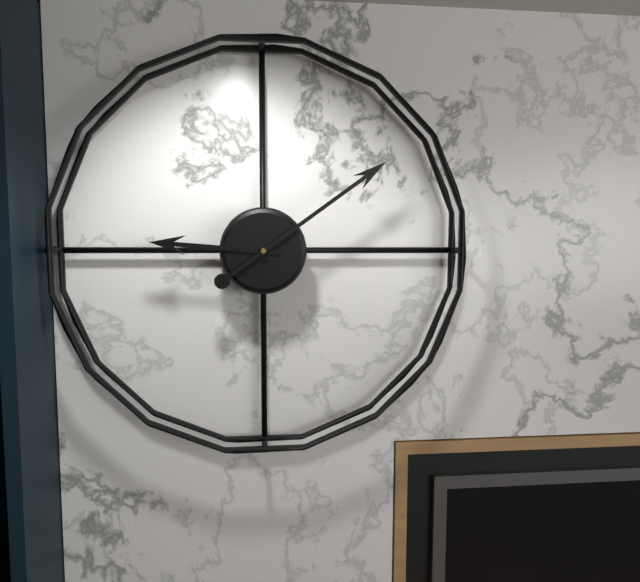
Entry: h=9 m=9
